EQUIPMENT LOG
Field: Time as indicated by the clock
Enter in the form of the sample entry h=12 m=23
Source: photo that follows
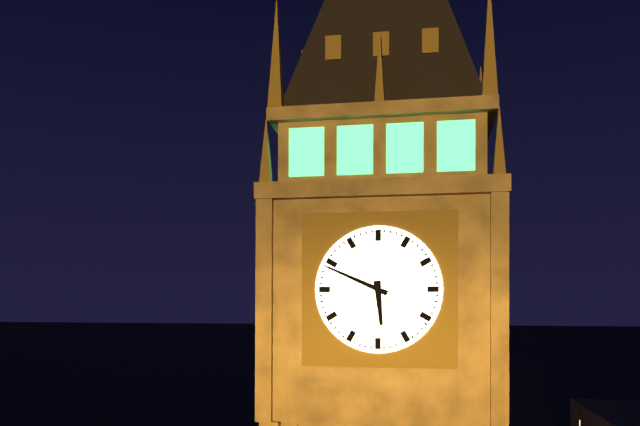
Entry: h=5 m=49
